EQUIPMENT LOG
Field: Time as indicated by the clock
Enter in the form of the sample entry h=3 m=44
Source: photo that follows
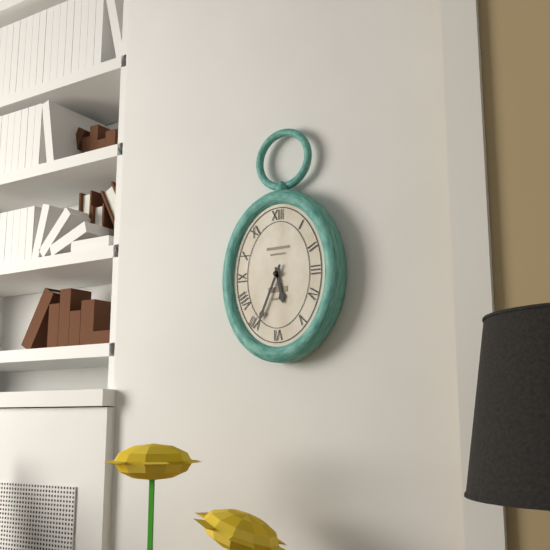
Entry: h=5 m=34
